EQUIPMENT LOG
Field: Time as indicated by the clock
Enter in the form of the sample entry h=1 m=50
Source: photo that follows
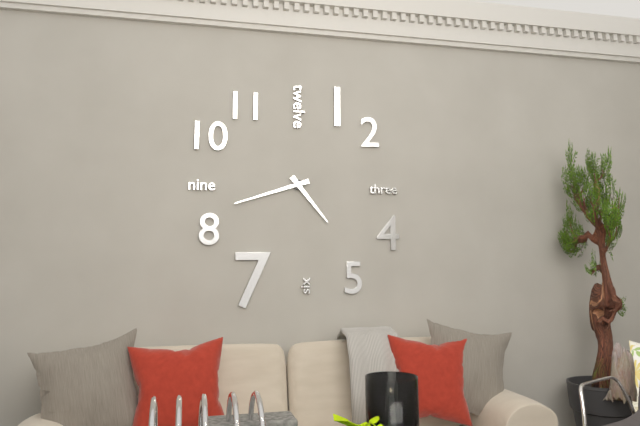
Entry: h=4 m=42
